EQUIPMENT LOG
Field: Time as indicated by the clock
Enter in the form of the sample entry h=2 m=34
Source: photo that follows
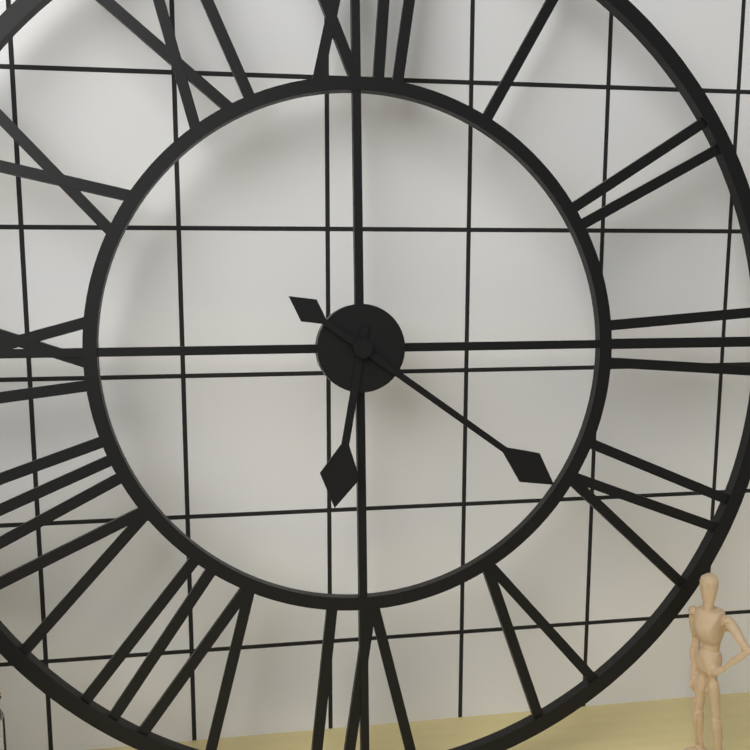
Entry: h=6 m=21
